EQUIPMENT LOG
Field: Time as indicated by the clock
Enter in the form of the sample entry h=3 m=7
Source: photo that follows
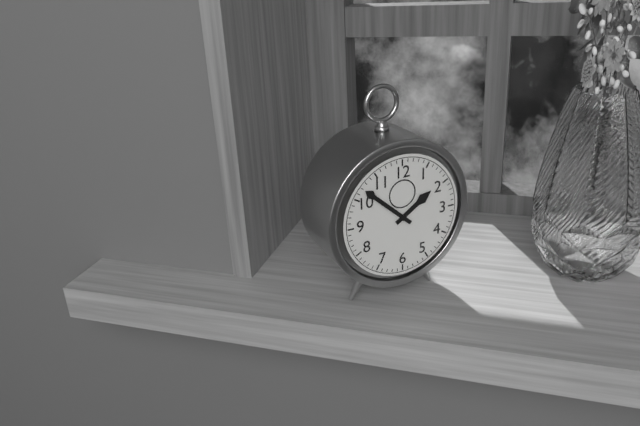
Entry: h=1 m=52
